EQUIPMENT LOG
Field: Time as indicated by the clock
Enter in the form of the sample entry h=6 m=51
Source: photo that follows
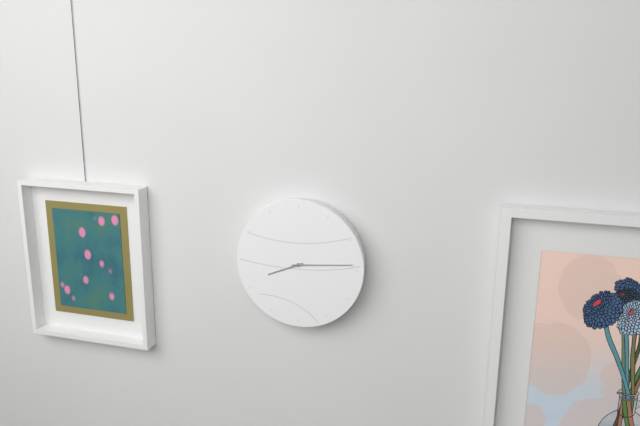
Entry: h=8 m=14
